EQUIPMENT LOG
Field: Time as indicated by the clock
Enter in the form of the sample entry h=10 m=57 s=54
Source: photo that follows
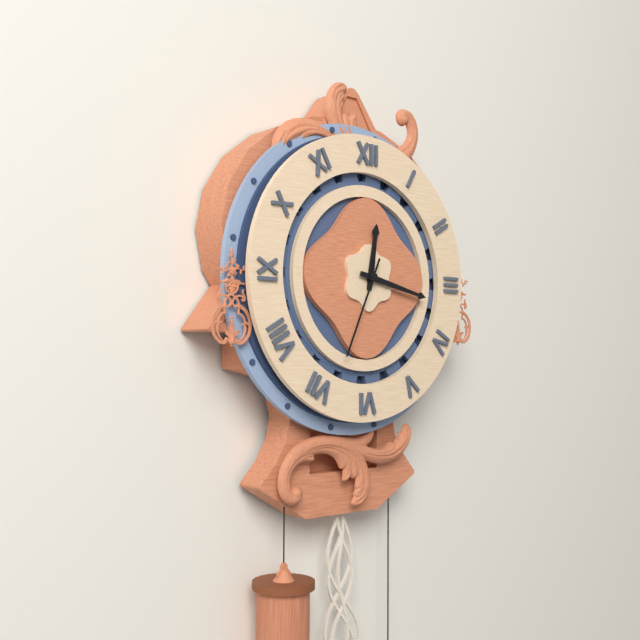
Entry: h=12 m=17 s=34
